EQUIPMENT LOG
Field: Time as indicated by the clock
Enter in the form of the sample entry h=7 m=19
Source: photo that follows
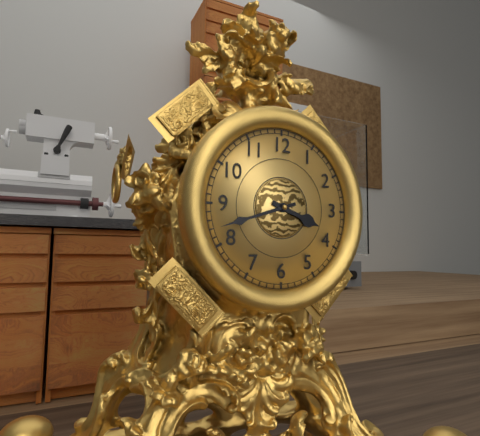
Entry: h=3 m=42
